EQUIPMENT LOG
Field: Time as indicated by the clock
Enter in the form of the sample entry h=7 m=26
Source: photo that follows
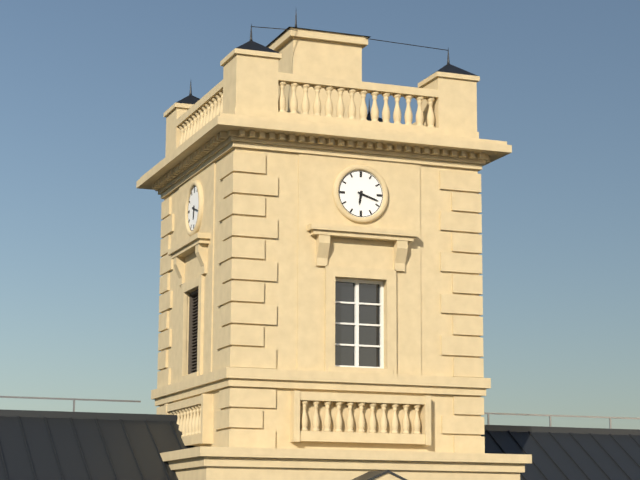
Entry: h=6 m=18
